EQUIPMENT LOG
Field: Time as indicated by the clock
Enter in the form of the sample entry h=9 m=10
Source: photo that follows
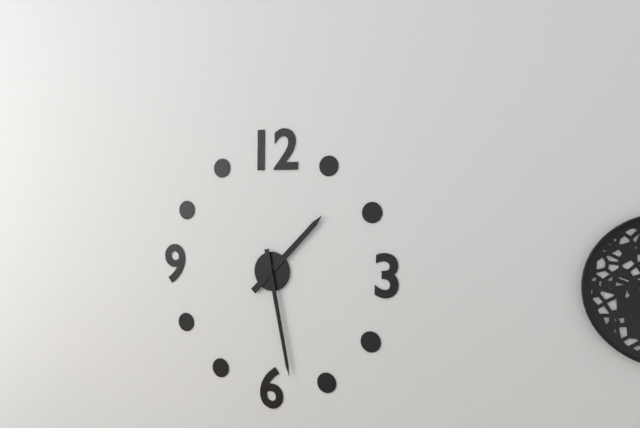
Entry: h=1 m=28
